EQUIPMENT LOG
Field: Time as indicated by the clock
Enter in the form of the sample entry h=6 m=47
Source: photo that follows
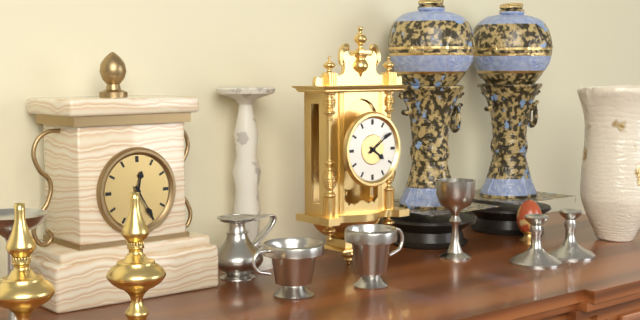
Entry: h=4 m=9
